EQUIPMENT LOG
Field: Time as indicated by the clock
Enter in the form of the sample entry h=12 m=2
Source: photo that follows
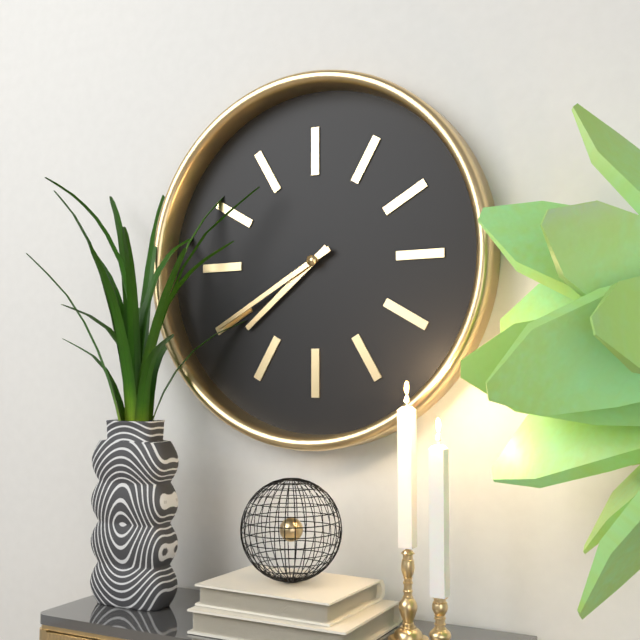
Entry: h=7 m=40
